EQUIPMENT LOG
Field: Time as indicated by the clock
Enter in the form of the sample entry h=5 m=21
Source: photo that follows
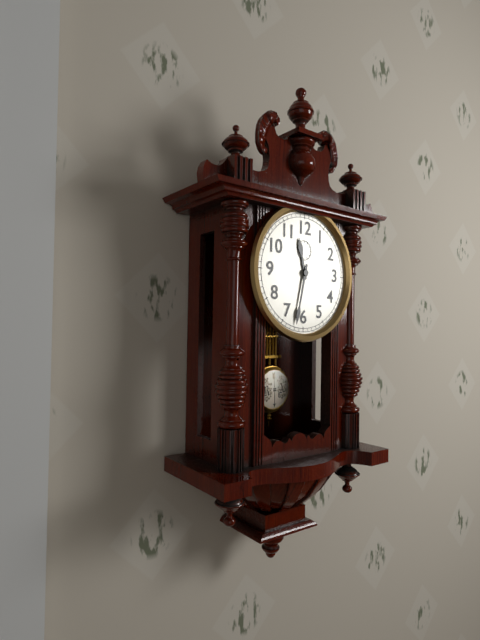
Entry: h=11 m=32
